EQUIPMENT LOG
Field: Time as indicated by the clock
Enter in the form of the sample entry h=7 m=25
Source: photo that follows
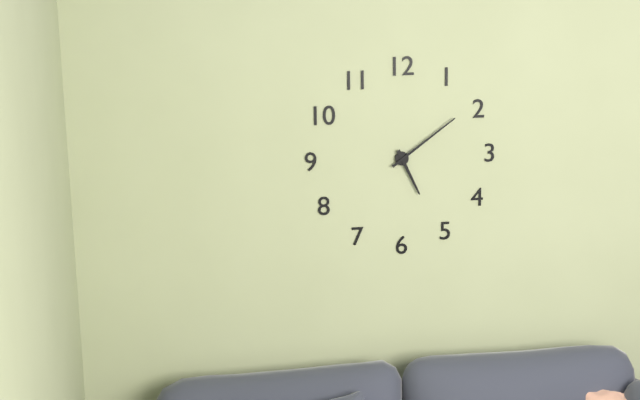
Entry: h=5 m=9
